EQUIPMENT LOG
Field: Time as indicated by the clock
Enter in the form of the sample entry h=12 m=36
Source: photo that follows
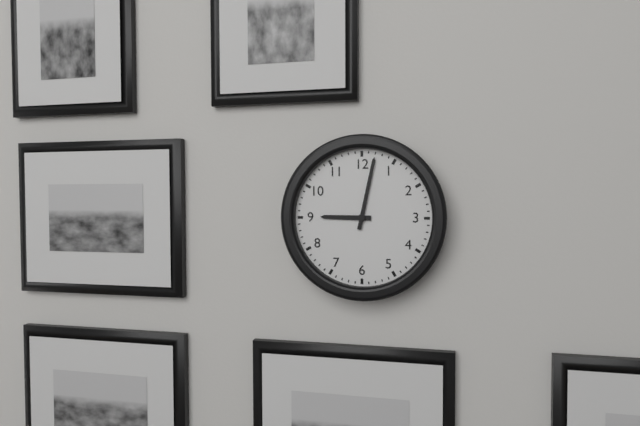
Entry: h=9 m=2
